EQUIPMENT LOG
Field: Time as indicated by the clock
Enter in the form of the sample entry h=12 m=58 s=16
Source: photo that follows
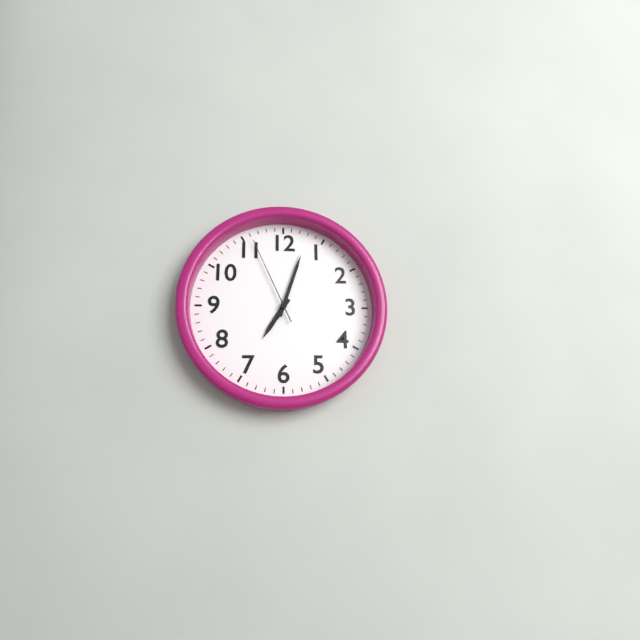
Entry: h=7 m=3 s=56
